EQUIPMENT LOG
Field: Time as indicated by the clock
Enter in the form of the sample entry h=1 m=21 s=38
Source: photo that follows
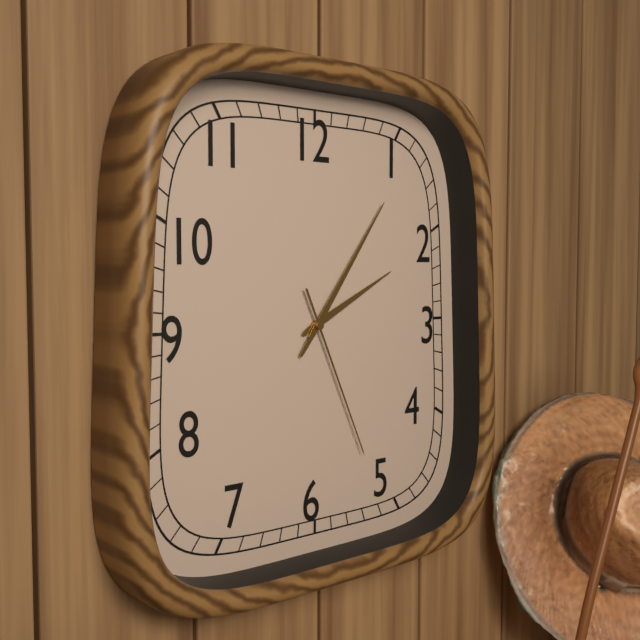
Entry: h=2 m=6 s=26
